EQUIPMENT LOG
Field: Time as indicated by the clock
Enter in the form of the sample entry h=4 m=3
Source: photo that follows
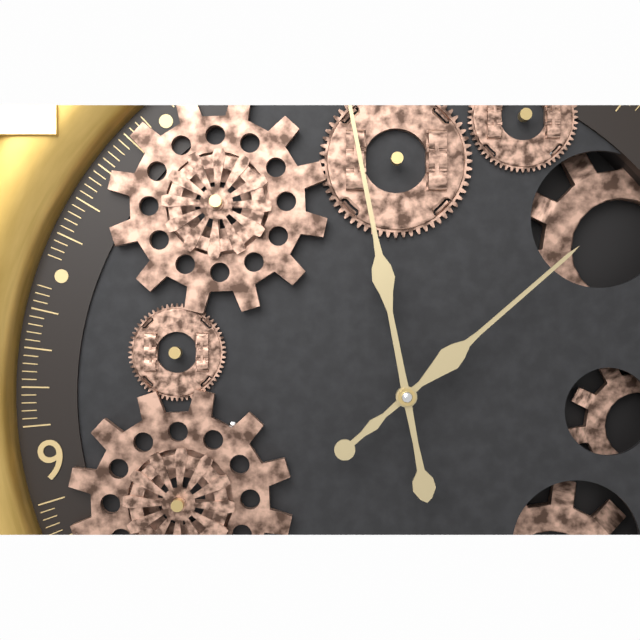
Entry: h=2 m=0
